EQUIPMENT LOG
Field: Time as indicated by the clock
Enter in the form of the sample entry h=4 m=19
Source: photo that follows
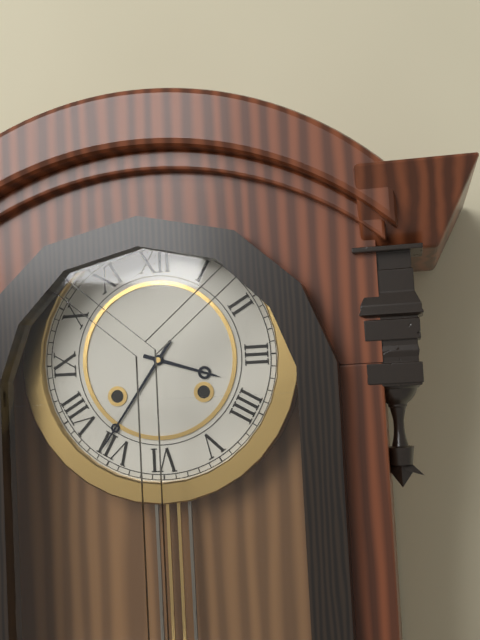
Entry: h=3 m=36
